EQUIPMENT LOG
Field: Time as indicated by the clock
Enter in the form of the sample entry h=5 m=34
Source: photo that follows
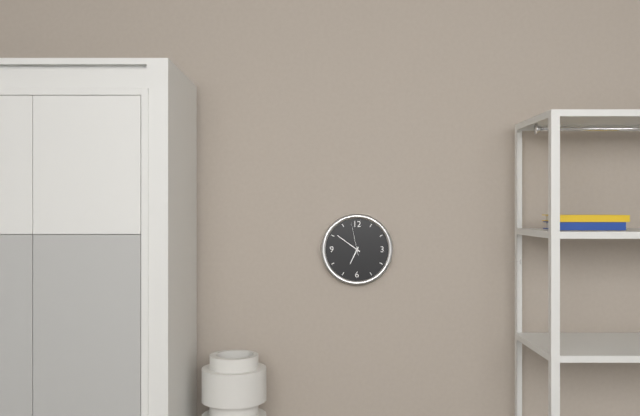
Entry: h=6 m=51
